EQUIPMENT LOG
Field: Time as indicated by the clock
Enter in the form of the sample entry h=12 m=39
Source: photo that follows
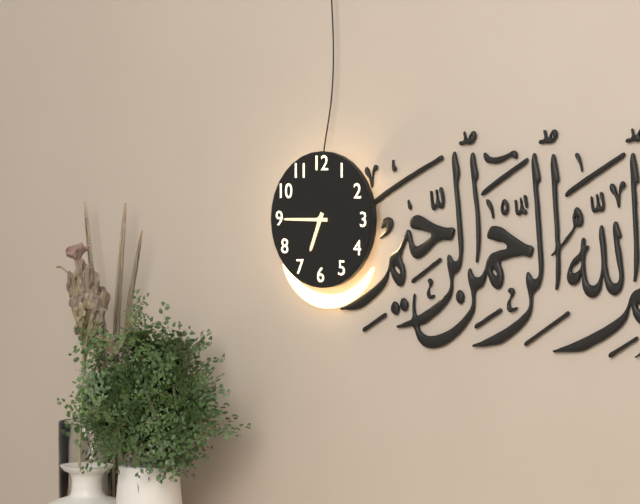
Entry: h=6 m=45
